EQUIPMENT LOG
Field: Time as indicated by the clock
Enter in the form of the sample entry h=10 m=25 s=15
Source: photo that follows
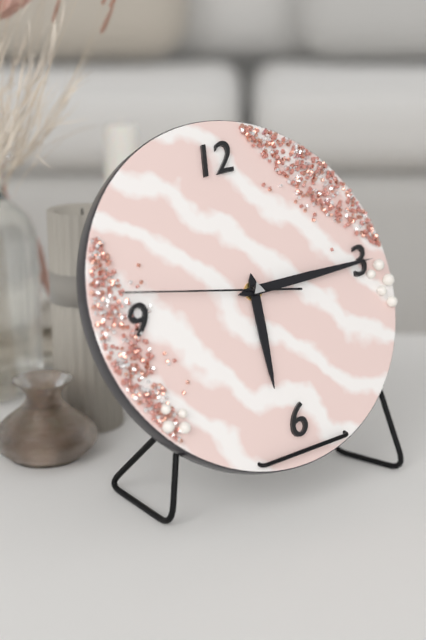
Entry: h=6 m=15 s=47
